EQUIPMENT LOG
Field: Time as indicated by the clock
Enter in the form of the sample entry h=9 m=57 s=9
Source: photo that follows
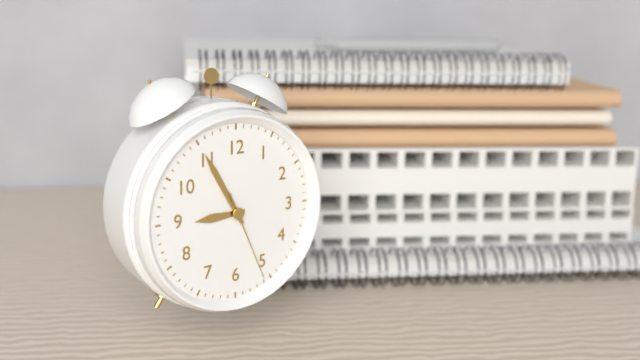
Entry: h=8 m=55 s=26
